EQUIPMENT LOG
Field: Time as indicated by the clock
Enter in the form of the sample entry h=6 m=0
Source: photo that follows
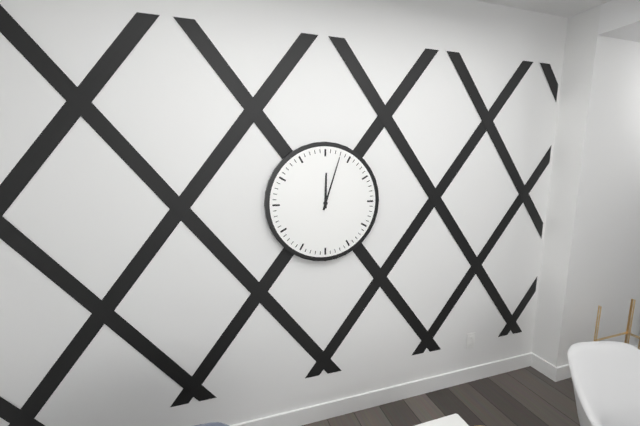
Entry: h=12 m=3
